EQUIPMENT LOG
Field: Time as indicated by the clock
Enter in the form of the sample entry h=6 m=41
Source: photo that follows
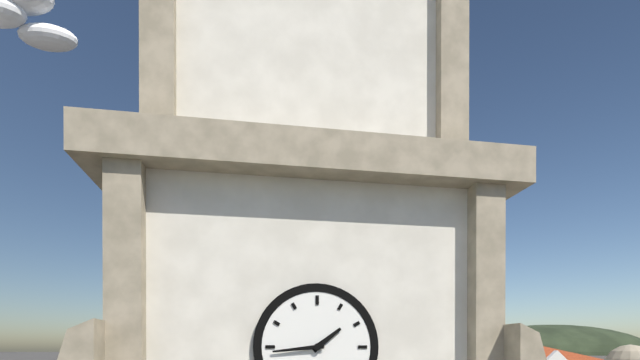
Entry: h=1 m=44
